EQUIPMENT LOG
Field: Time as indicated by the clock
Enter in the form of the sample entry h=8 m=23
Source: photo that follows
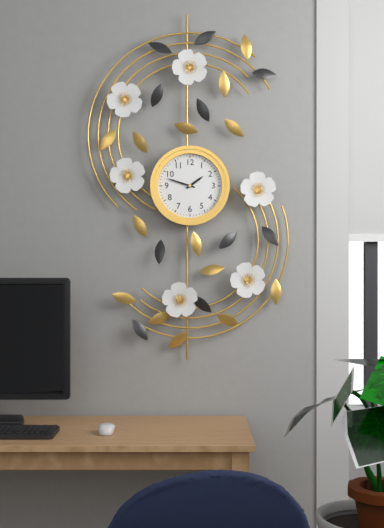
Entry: h=1 m=48
